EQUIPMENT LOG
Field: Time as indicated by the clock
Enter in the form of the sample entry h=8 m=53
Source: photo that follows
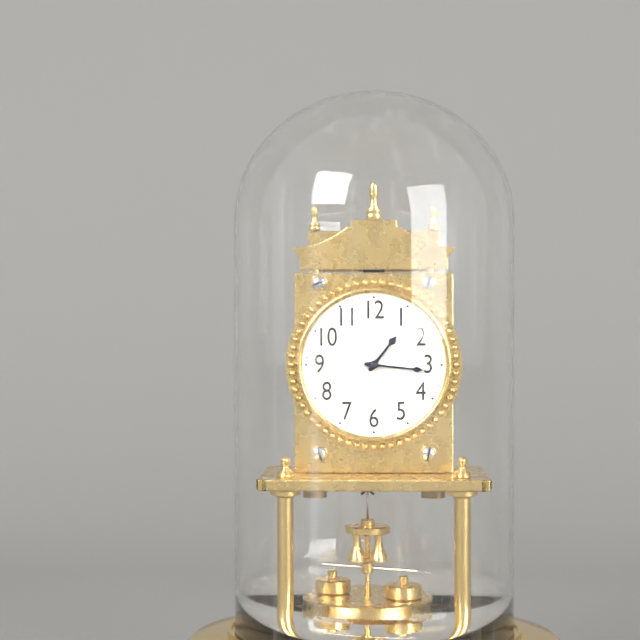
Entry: h=1 m=16
